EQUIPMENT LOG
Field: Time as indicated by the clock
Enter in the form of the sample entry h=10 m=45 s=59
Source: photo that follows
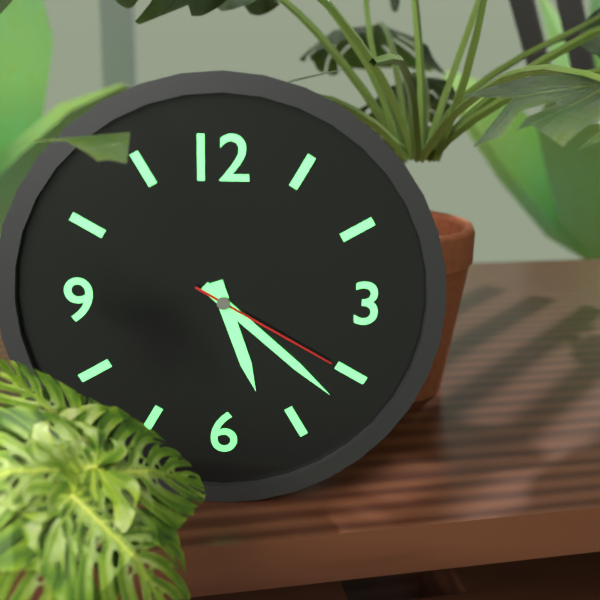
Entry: h=5 m=22 s=20
